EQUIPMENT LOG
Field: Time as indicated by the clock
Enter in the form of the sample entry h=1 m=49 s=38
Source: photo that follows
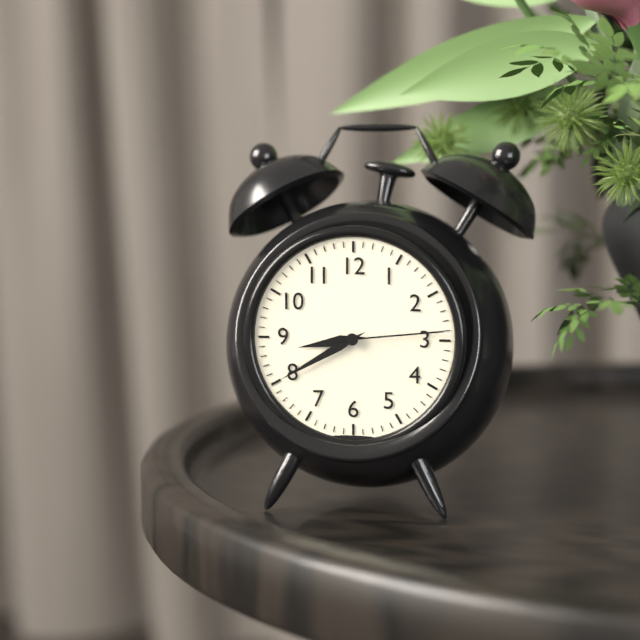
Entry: h=8 m=40 s=14
